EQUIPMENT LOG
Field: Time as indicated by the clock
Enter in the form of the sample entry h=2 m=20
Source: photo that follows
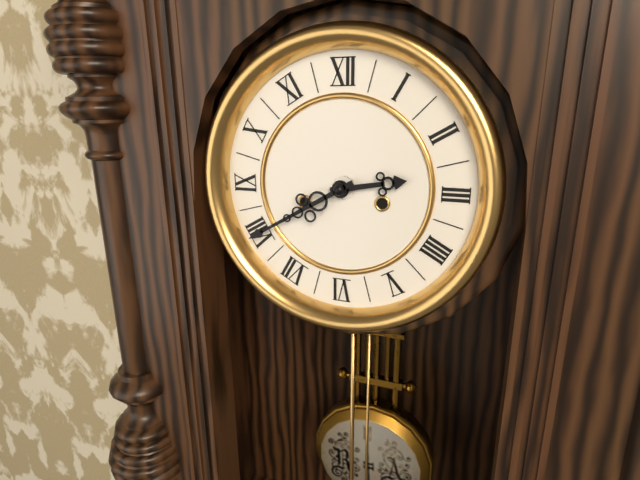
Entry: h=2 m=40
